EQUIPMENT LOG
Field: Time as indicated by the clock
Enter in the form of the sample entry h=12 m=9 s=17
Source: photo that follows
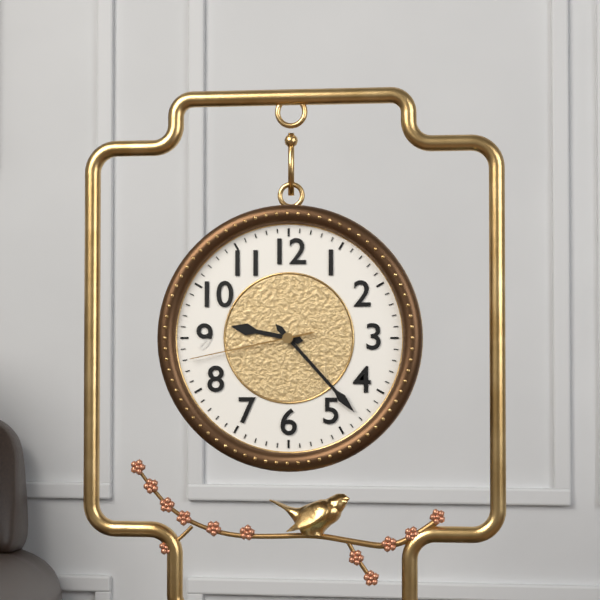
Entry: h=9 m=23 s=43
